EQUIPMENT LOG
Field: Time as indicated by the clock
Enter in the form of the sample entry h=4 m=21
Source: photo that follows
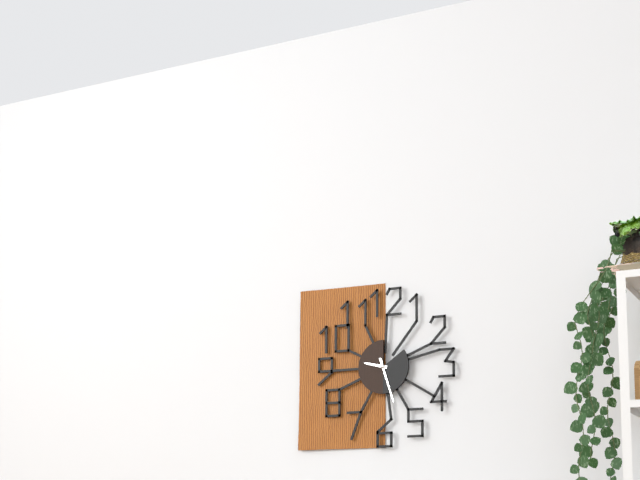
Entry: h=9 m=27
